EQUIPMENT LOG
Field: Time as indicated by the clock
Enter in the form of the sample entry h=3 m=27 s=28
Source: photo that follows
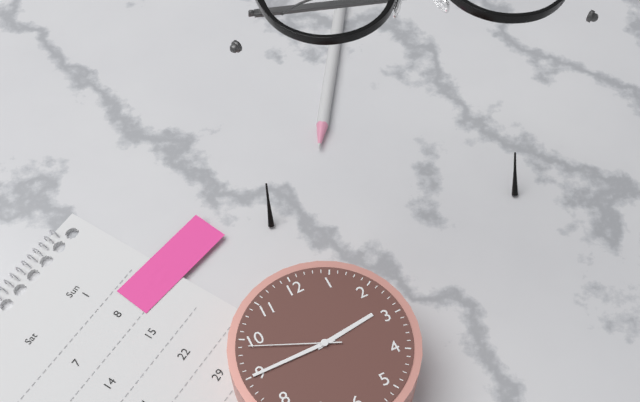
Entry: h=2 m=45 s=49
